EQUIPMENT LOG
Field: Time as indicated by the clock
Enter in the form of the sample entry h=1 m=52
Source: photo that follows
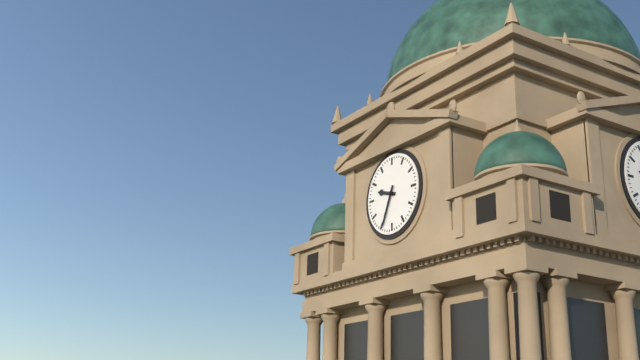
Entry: h=9 m=34
